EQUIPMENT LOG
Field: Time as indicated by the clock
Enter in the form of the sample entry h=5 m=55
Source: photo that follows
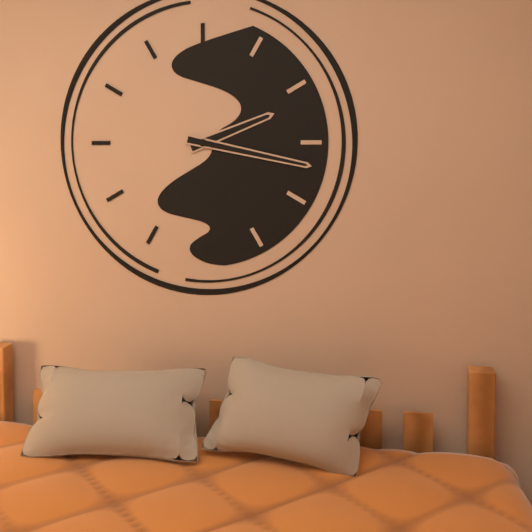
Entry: h=2 m=17
